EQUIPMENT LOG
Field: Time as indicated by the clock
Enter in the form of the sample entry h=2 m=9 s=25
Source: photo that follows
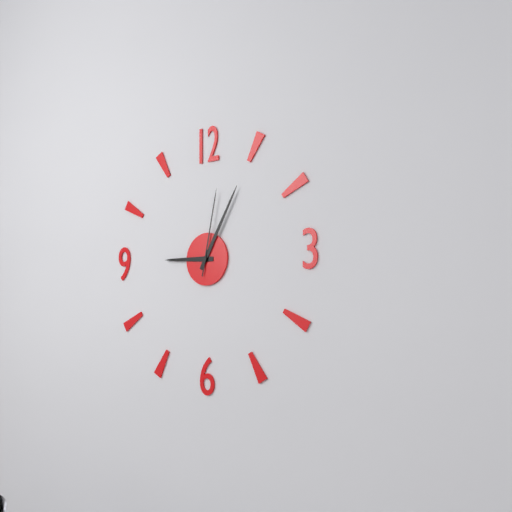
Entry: h=9 m=5 s=2
